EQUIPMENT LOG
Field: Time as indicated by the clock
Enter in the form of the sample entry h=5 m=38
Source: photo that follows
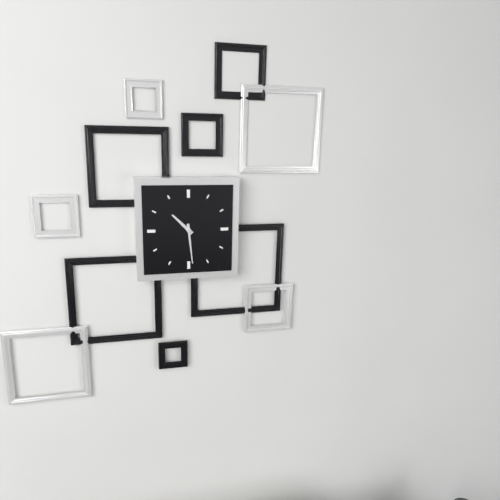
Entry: h=10 m=29
